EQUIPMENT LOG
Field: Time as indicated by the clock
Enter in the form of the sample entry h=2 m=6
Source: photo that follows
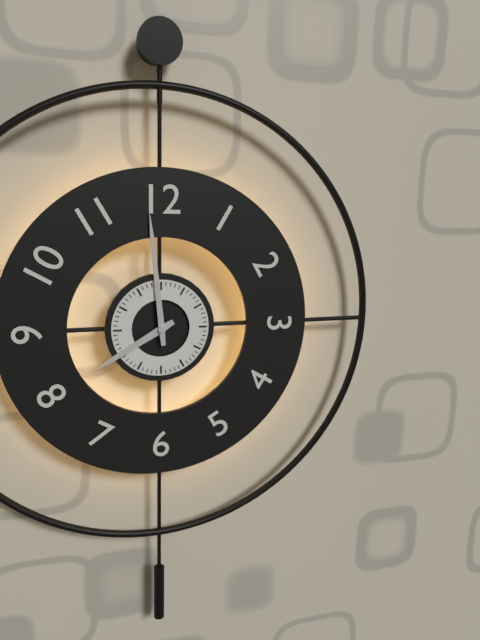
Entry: h=7 m=59
